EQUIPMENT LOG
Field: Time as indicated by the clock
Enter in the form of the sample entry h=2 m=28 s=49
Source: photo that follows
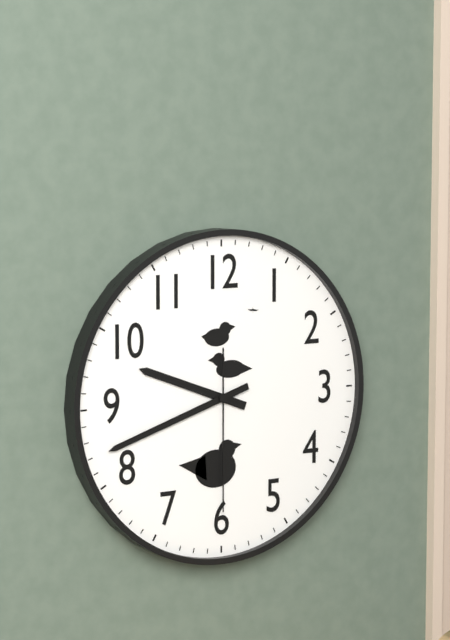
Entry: h=9 m=42 s=30
